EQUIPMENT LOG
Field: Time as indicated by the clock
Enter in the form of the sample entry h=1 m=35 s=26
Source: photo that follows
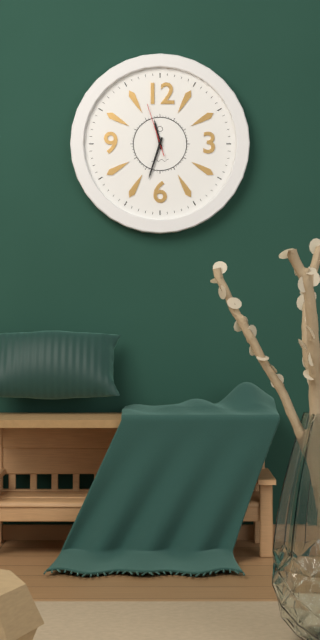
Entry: h=11 m=33 s=57
